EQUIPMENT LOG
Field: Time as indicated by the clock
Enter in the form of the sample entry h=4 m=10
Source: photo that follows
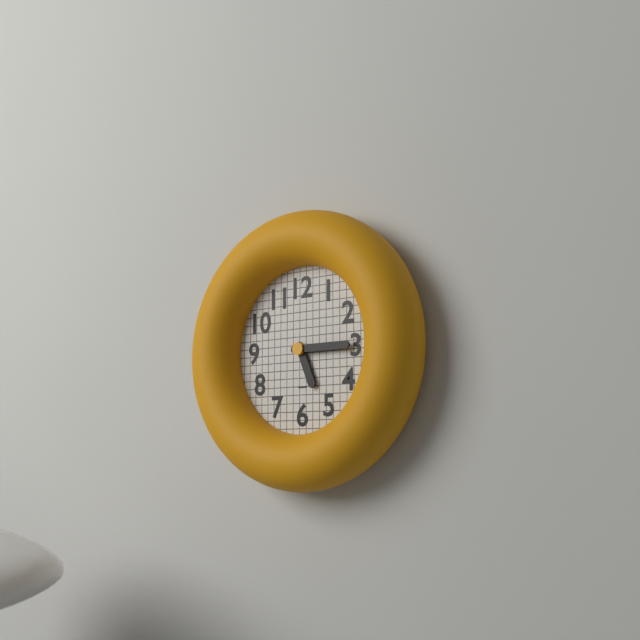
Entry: h=5 m=15
